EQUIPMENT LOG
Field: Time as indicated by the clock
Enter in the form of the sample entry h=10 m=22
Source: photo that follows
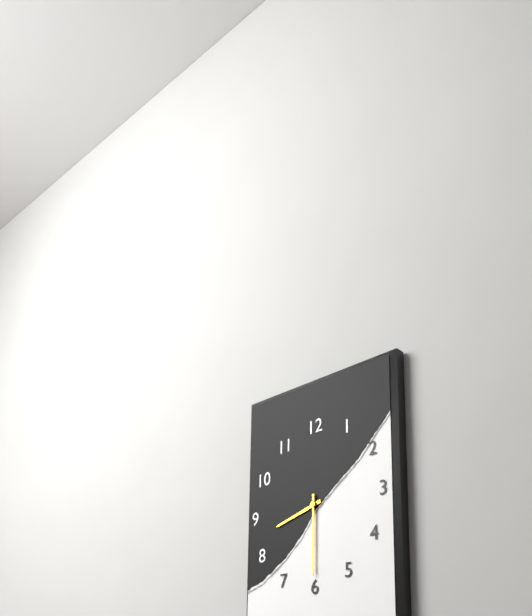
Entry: h=8 m=30
